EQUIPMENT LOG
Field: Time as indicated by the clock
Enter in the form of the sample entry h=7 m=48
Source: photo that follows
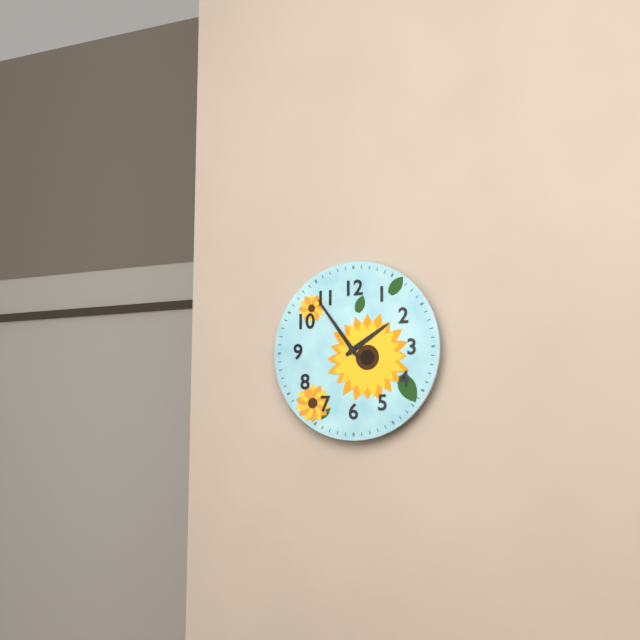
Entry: h=1 m=54
